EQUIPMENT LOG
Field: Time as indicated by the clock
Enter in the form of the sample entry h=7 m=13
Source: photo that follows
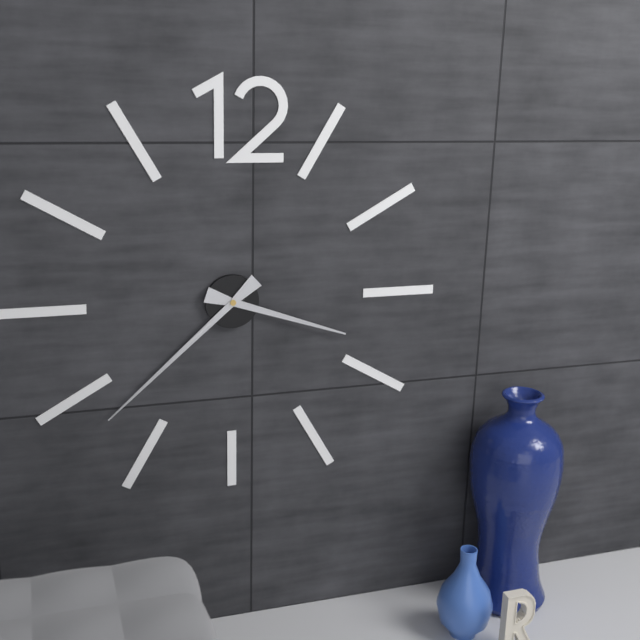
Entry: h=3 m=38
